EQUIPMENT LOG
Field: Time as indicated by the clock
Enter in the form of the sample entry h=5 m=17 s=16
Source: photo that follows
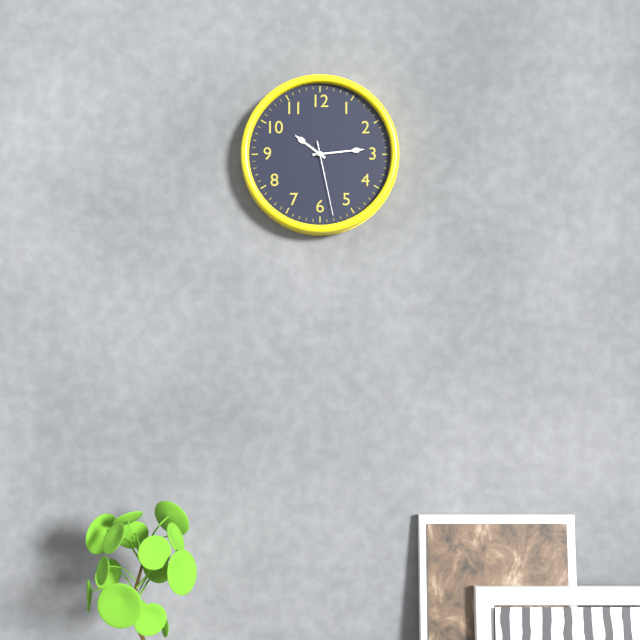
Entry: h=10 m=14 s=28
